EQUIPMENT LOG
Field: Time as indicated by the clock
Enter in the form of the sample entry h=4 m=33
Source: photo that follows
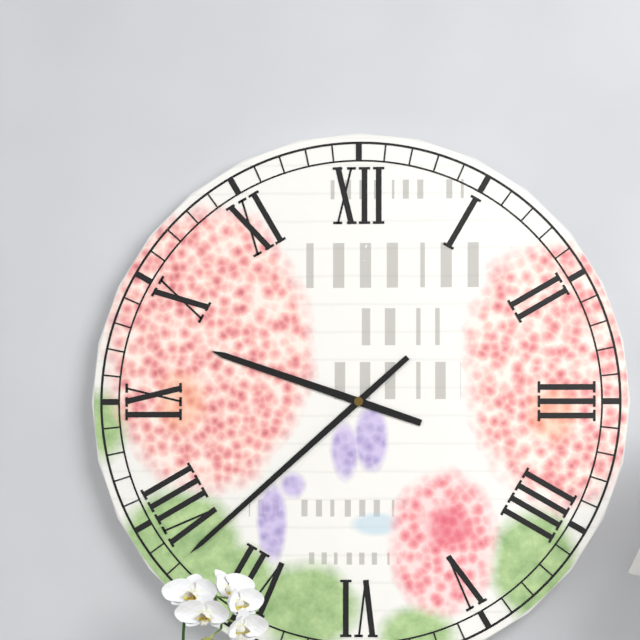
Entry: h=9 m=38
